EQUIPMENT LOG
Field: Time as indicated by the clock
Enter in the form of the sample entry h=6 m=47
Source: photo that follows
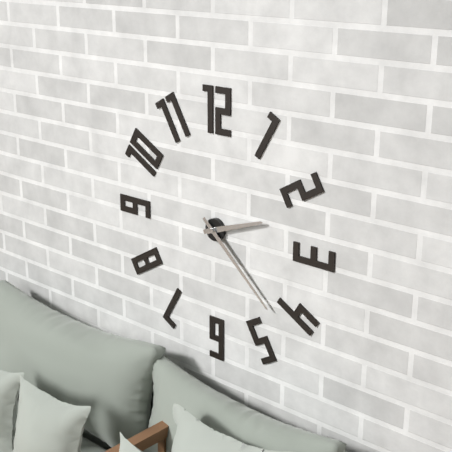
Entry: h=2 m=22
